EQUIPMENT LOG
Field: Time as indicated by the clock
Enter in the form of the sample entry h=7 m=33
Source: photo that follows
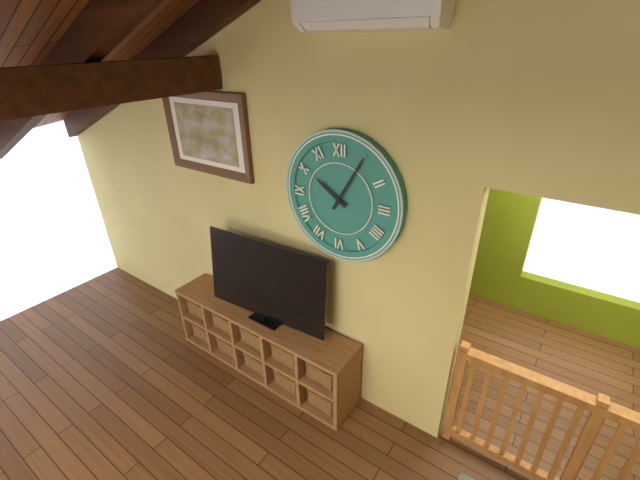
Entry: h=10 m=5
